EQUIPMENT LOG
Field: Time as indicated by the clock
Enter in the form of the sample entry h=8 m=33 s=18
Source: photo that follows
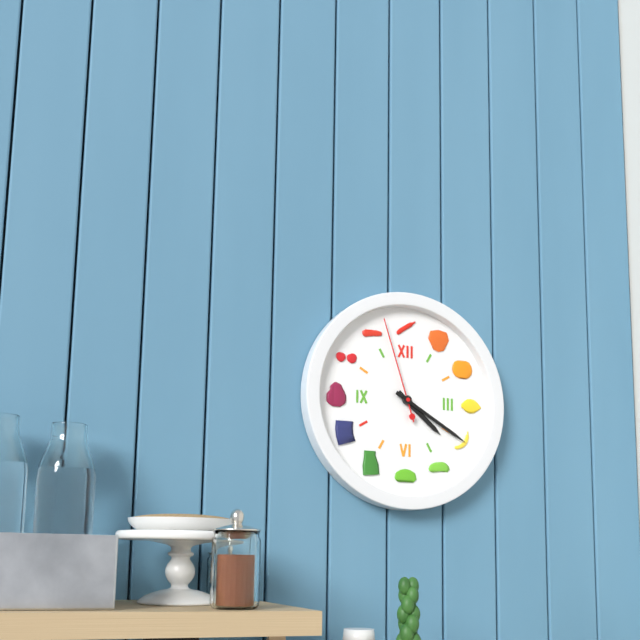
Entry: h=4 m=20 s=57
